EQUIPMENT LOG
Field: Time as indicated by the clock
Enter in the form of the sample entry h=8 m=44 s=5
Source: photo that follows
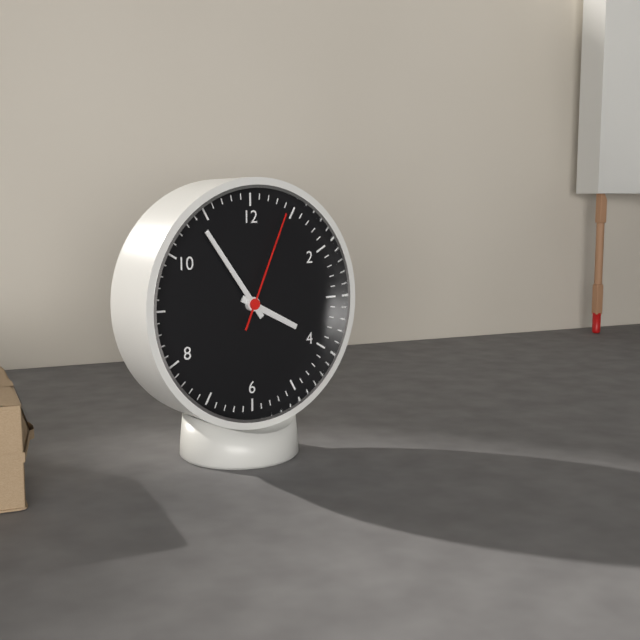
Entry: h=3 m=54 s=4
